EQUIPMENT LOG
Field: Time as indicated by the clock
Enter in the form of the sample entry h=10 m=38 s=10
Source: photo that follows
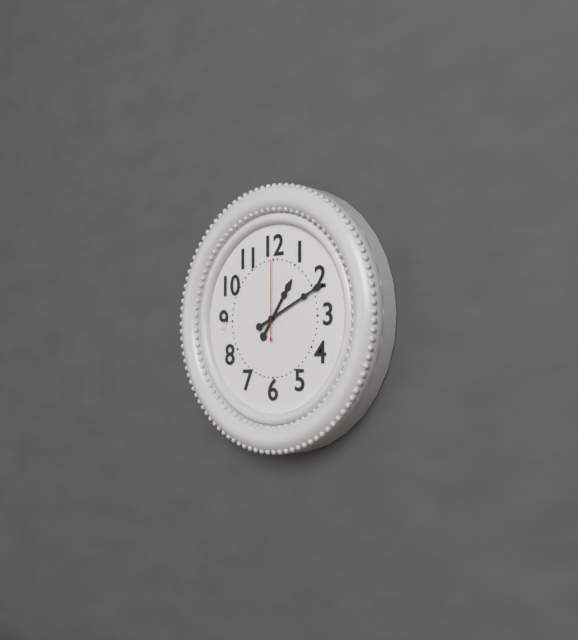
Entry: h=1 m=11 s=0
